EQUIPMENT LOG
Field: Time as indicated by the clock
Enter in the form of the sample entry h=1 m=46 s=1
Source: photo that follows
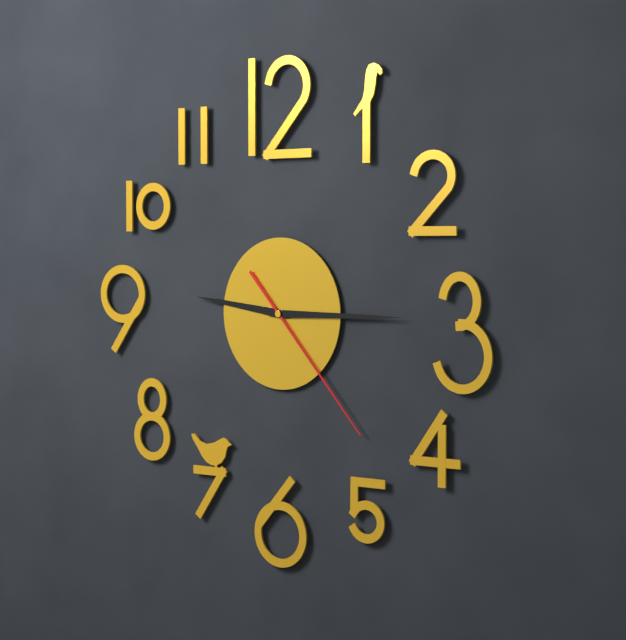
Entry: h=9 m=15 s=23
